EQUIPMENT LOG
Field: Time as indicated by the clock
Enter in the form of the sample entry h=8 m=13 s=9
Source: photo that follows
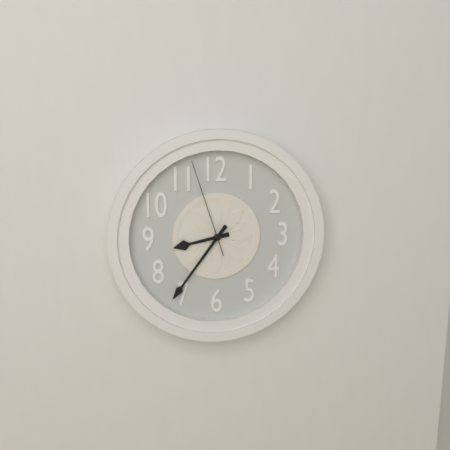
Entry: h=8 m=36 s=57
